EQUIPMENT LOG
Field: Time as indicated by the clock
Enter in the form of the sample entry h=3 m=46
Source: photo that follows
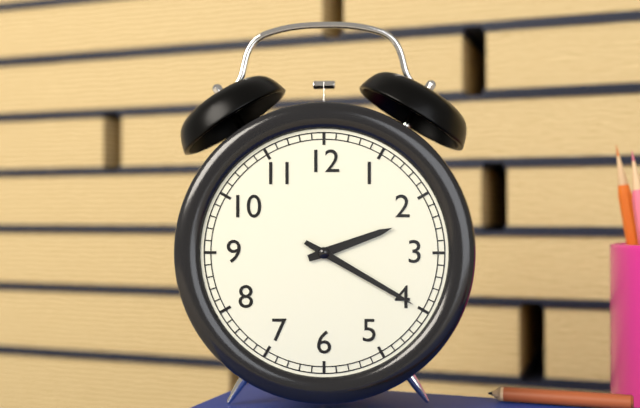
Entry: h=2 m=20
